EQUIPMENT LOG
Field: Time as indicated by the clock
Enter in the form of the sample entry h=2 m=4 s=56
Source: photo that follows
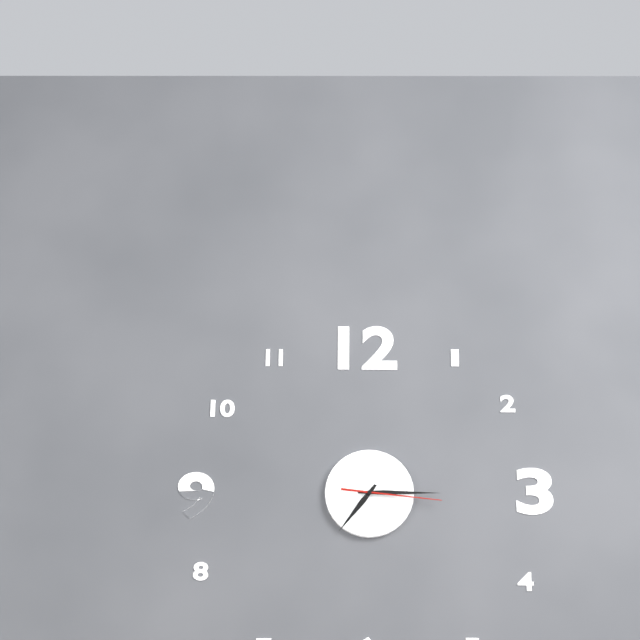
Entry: h=7 m=15 s=16
